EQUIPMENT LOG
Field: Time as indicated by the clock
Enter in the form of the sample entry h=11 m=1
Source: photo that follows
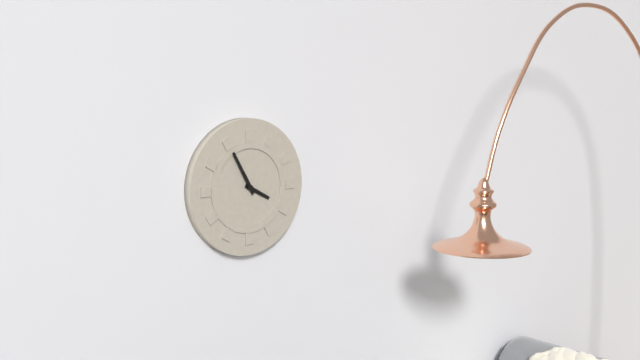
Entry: h=3 m=55
